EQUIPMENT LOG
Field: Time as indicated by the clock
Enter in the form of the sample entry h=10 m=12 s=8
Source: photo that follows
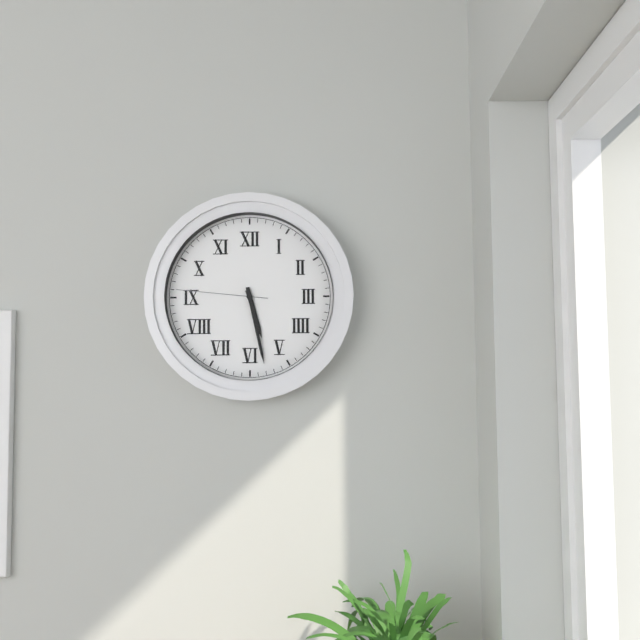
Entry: h=5 m=28 s=46
